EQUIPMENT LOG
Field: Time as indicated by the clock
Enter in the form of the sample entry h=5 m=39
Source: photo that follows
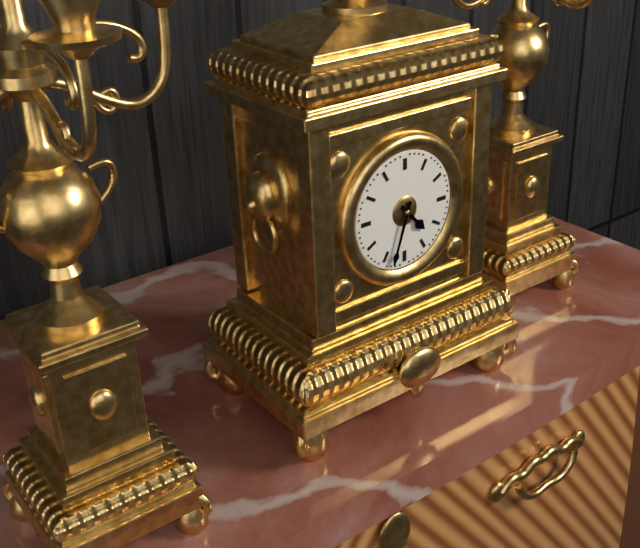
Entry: h=4 m=33
